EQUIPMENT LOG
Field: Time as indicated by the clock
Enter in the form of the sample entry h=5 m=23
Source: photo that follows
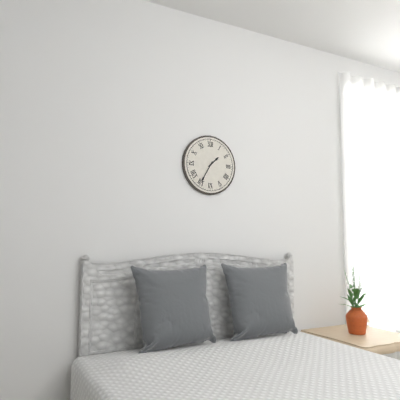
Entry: h=1 m=35
